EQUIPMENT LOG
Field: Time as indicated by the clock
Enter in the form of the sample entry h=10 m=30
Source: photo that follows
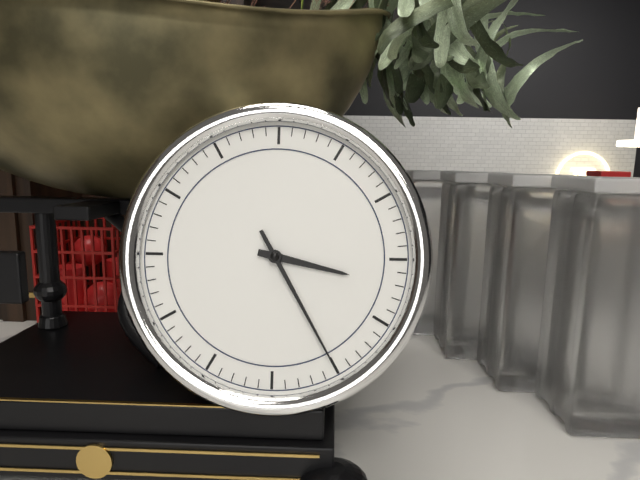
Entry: h=3 m=25
